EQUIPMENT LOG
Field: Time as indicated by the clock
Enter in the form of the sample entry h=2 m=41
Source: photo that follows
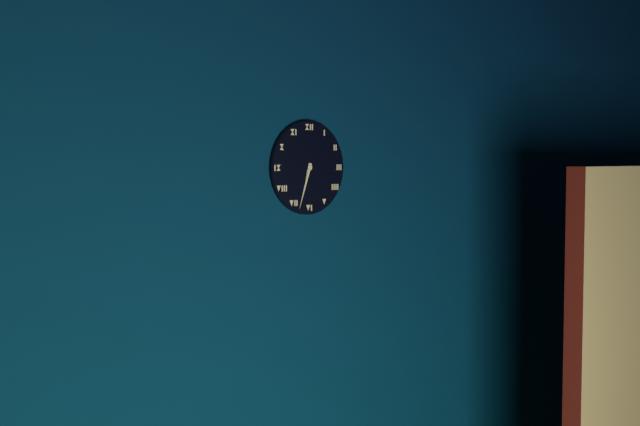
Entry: h=6 m=33
